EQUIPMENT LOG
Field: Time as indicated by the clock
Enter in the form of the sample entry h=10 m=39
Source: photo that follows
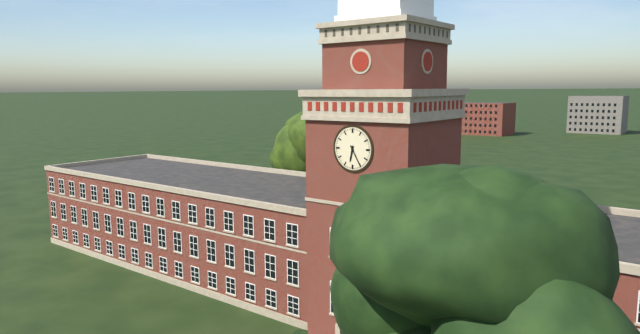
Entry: h=6 m=25
